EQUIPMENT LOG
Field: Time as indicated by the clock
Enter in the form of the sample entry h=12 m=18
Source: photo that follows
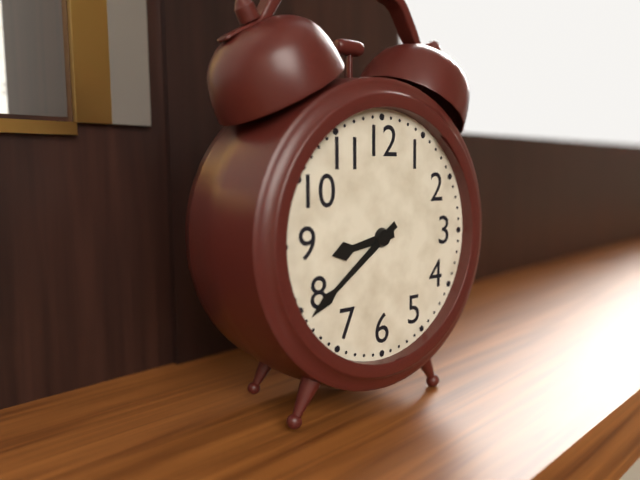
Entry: h=8 m=39
